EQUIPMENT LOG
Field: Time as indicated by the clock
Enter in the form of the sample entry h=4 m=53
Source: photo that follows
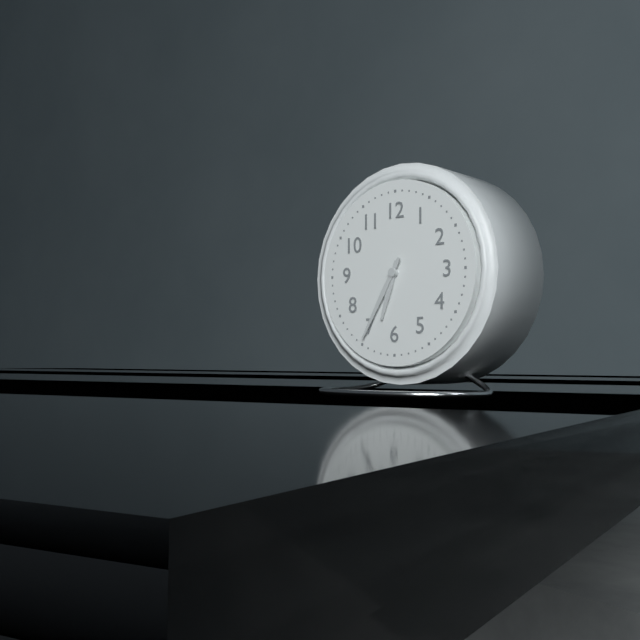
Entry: h=6 m=35
